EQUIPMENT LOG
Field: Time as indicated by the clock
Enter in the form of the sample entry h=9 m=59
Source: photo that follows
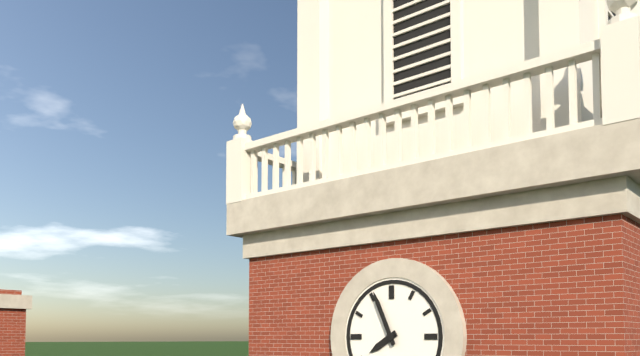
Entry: h=7 m=56
